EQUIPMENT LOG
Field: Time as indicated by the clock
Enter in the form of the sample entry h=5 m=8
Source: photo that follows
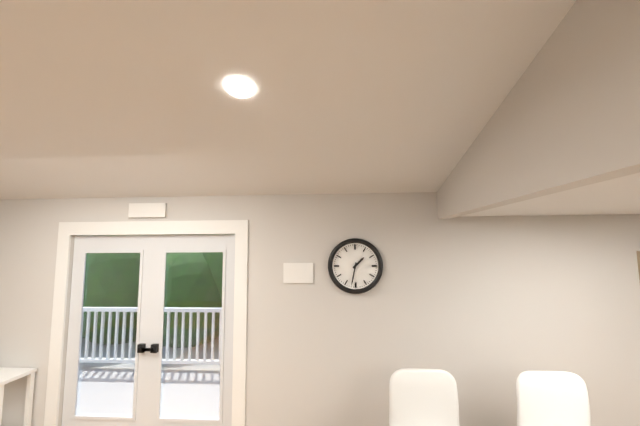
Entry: h=1 m=32
